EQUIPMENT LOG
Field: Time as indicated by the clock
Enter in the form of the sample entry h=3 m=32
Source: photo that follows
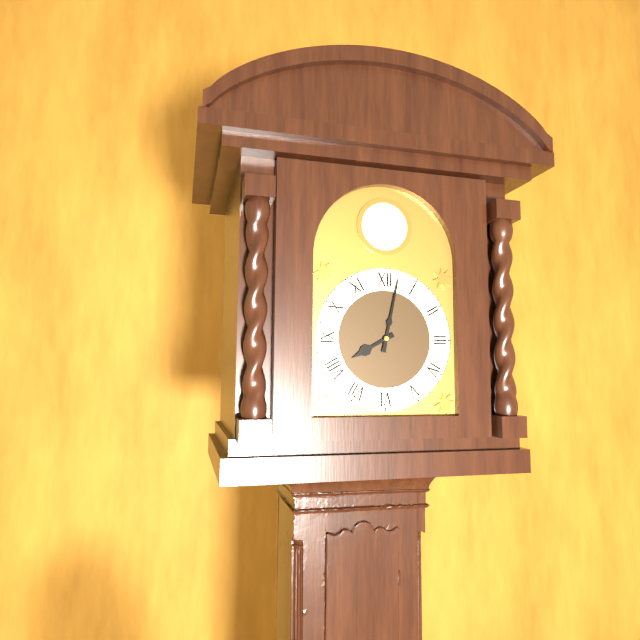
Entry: h=8 m=2
